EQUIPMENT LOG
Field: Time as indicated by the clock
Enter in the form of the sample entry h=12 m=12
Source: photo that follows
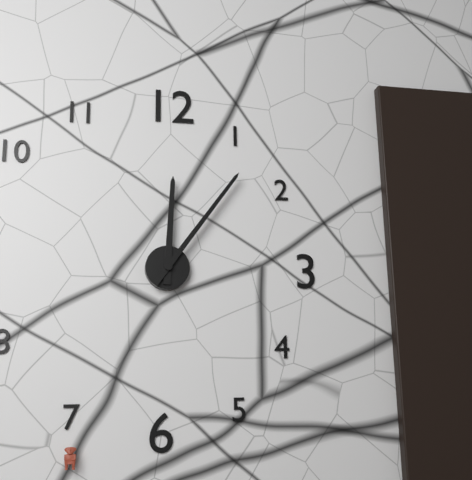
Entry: h=12 m=6
